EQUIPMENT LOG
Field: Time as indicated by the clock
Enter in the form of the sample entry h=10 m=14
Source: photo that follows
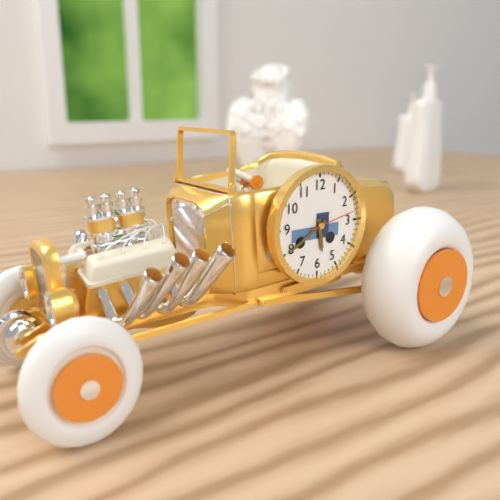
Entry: h=5 m=40
